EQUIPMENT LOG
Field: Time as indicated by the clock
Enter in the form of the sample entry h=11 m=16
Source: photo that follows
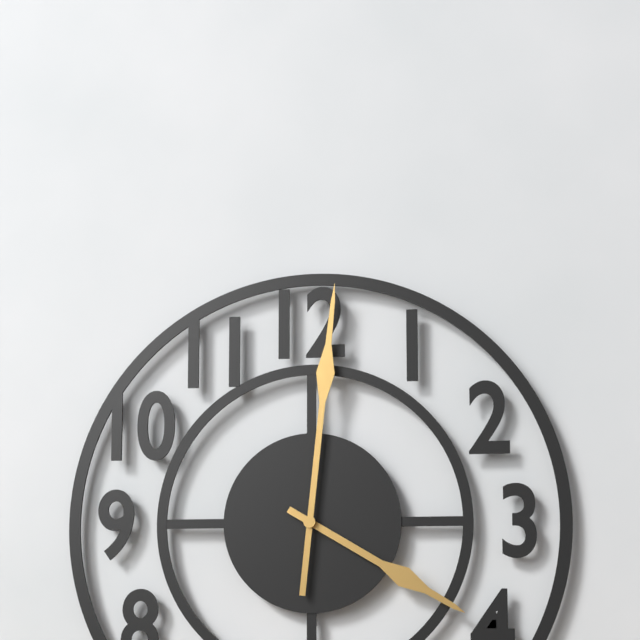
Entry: h=4 m=1
